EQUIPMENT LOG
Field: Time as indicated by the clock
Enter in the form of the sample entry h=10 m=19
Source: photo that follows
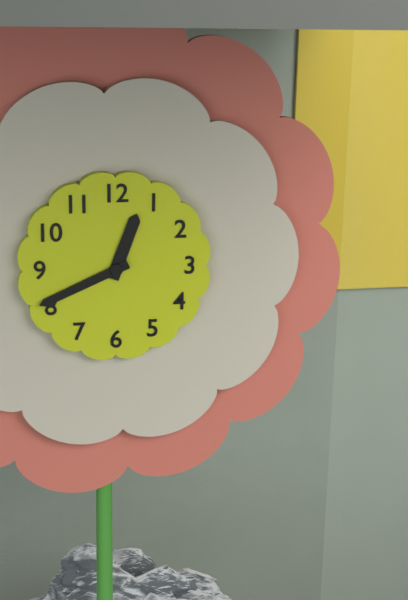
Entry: h=12 m=41
